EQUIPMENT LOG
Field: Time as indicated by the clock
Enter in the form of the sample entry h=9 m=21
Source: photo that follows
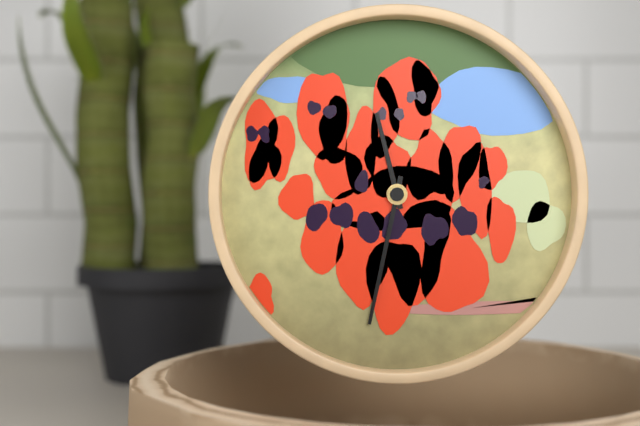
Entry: h=11 m=32
